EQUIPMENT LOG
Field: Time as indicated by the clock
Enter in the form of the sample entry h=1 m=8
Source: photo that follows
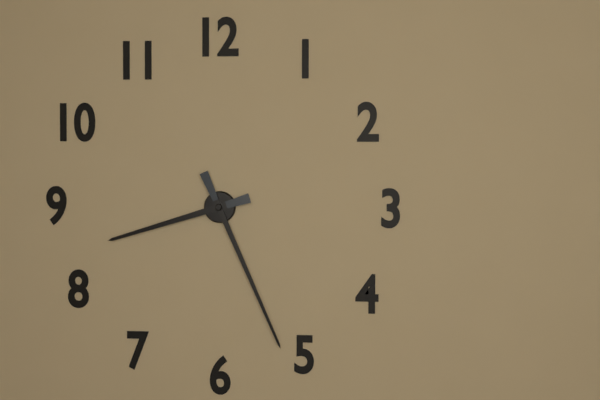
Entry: h=8 m=26
